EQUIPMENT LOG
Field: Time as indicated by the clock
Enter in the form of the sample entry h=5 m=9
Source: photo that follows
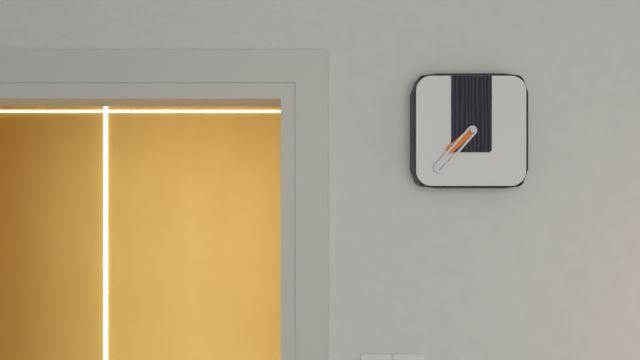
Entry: h=7 m=37
